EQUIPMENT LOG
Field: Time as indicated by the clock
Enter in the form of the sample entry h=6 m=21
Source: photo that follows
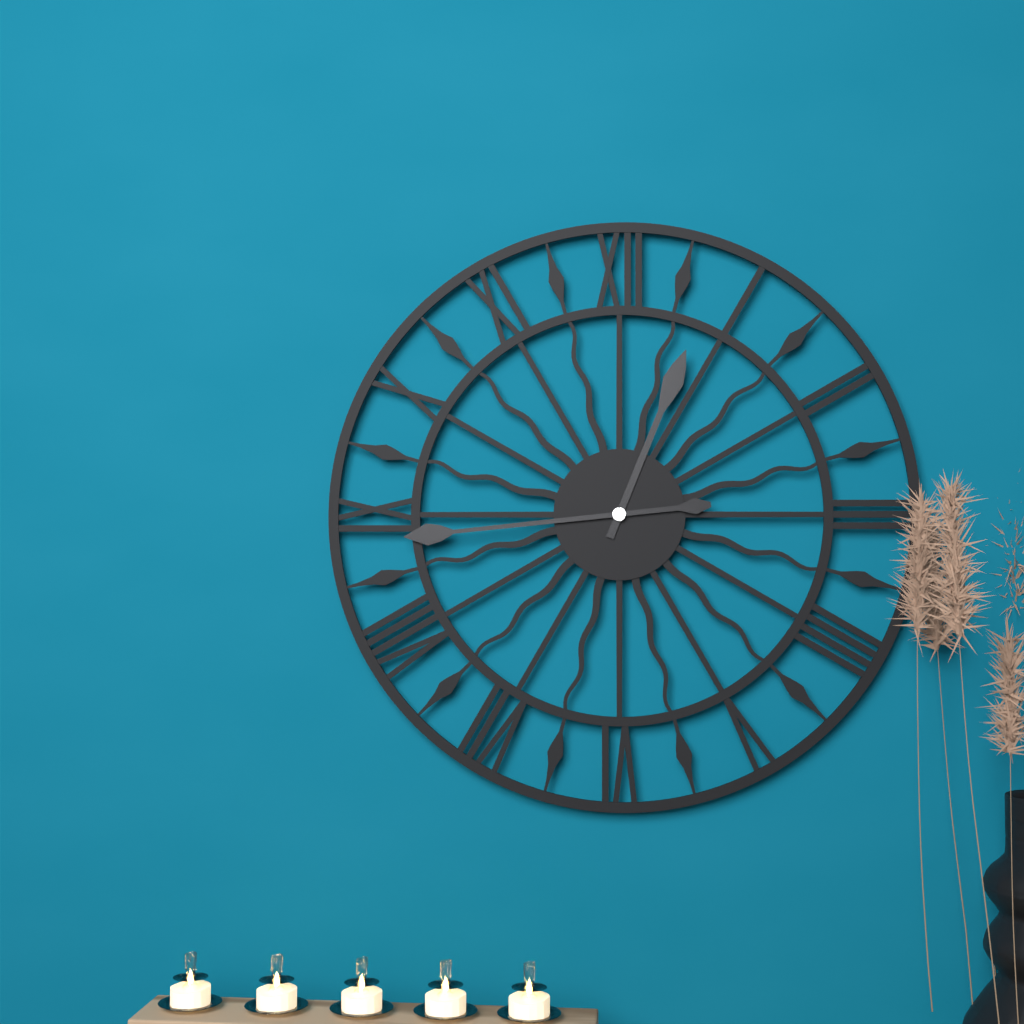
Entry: h=12 m=44
